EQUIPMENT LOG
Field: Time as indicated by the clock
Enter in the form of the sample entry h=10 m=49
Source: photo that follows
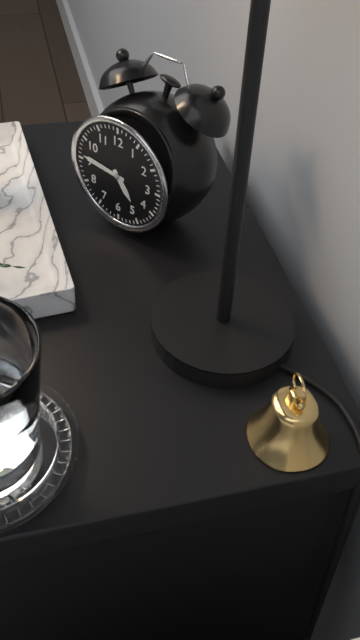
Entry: h=4 m=46
